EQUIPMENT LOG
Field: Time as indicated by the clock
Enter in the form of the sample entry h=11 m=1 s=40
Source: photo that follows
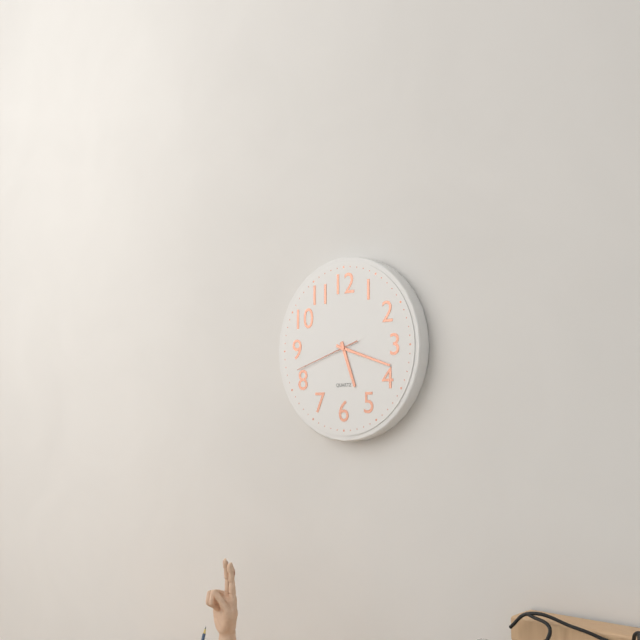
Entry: h=5 m=18 s=42
